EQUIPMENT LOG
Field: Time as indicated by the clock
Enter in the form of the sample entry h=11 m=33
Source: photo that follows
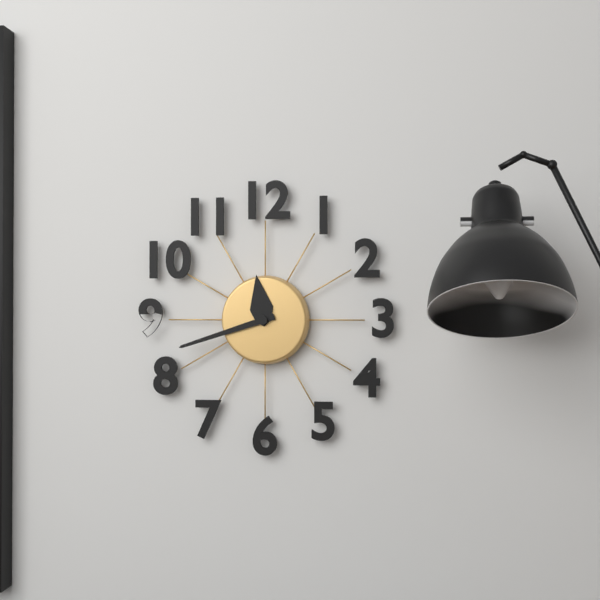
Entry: h=11 m=42
